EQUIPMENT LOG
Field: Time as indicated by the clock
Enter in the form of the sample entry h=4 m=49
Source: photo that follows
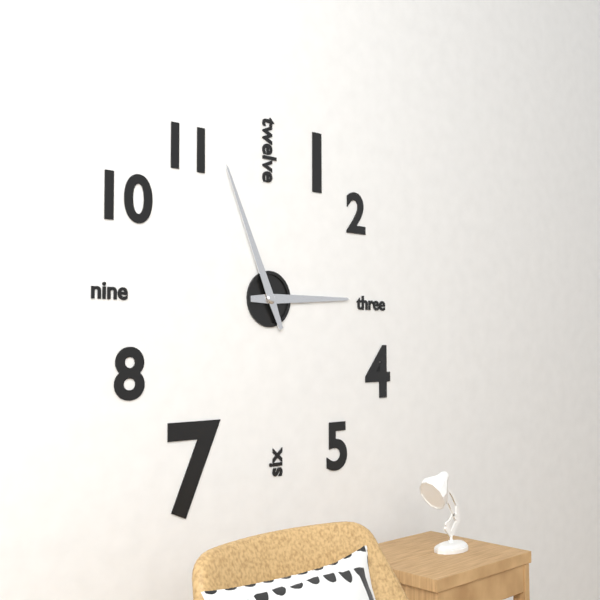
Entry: h=2 m=56
